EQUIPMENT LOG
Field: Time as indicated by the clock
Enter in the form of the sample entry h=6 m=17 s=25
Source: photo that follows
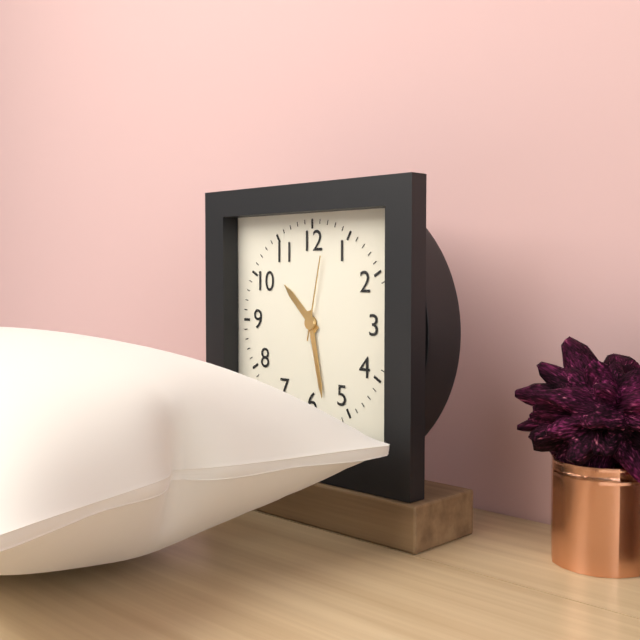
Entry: h=10 m=28 s=2
